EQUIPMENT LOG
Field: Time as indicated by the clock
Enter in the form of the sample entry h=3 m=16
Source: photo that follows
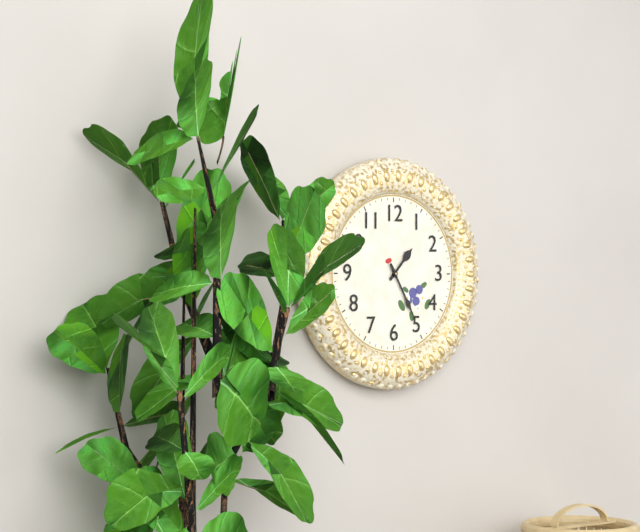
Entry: h=1 m=25
